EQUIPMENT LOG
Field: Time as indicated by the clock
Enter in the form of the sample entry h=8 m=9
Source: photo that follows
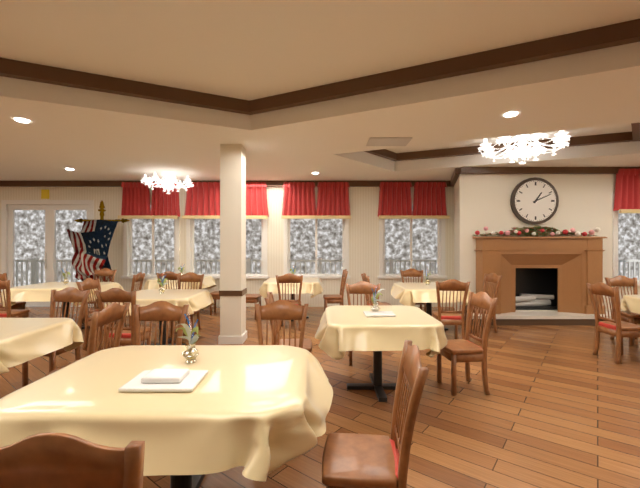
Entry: h=1 m=11
